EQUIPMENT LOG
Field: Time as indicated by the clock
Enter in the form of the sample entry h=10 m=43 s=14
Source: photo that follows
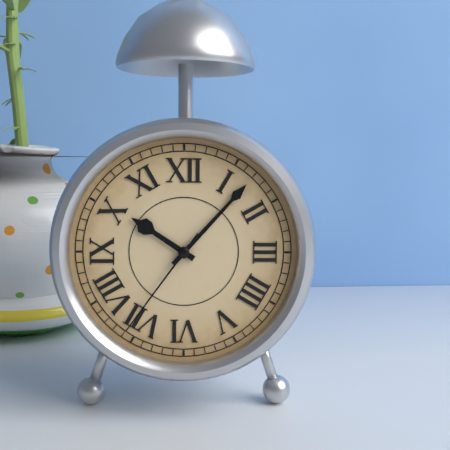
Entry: h=10 m=7 s=36
